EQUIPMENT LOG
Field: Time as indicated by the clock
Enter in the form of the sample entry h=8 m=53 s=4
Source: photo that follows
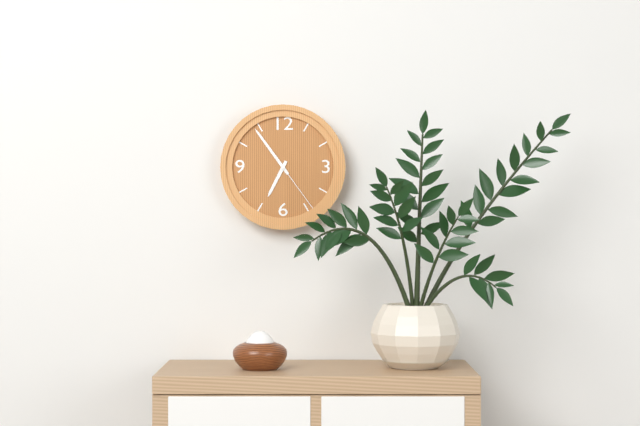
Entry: h=6 m=54 s=24
